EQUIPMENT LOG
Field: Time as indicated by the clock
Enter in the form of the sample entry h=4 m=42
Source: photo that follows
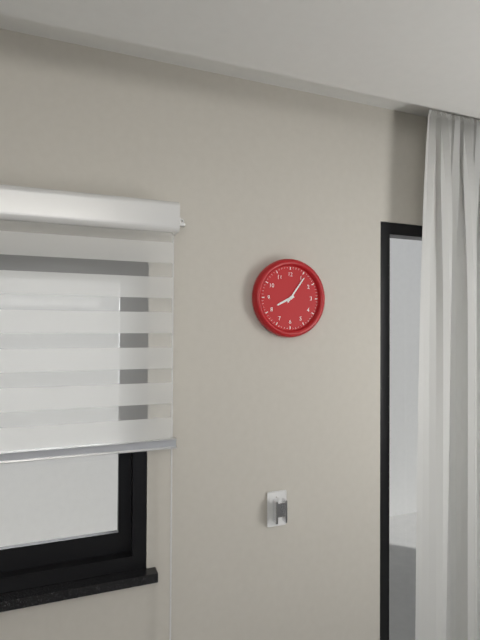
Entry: h=8 m=6
